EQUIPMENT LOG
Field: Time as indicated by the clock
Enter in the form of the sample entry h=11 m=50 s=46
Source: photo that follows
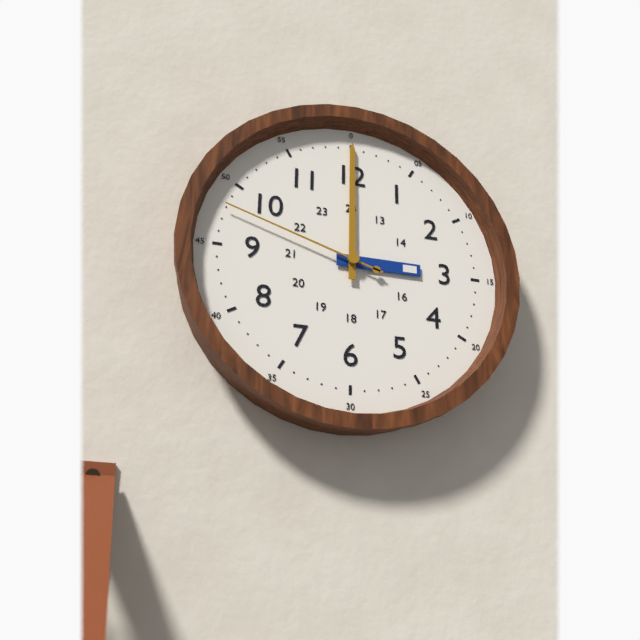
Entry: h=3 m=0 s=48
